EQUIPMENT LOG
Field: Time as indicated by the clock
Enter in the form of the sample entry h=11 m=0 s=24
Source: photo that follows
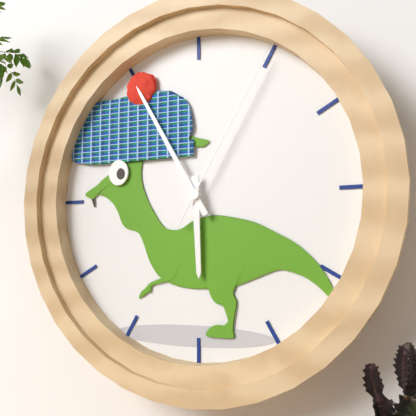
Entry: h=5 m=55 s=5
